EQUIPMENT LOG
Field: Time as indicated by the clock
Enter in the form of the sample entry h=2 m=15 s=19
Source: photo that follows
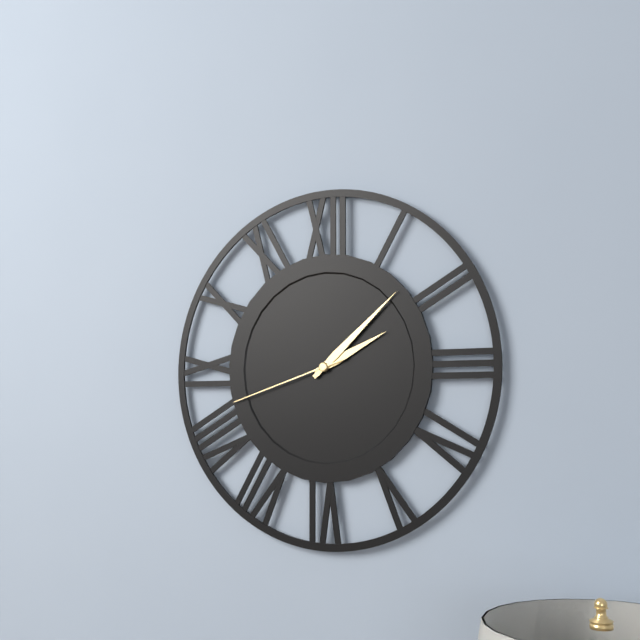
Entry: h=2 m=8 s=42
